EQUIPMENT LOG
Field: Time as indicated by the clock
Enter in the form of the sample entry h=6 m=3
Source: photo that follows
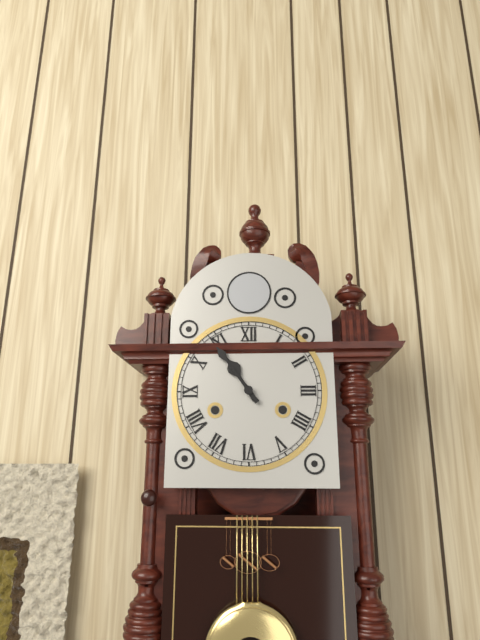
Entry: h=10 m=54
